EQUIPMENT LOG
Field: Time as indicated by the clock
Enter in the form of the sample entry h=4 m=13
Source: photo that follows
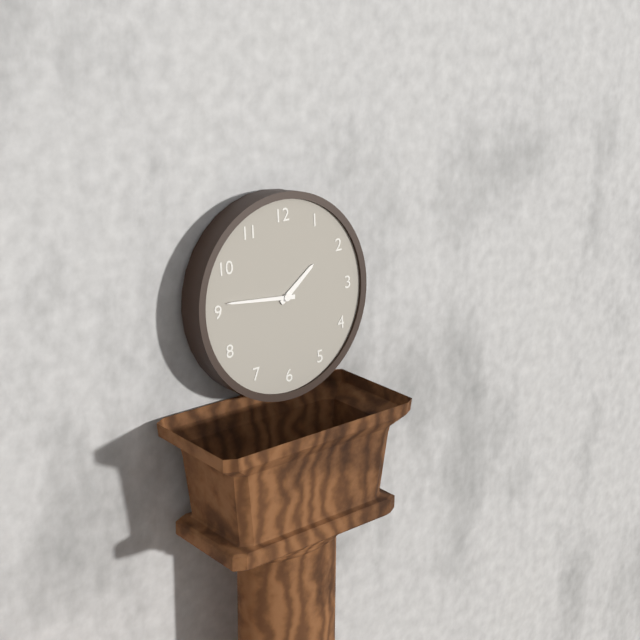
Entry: h=1 m=46
